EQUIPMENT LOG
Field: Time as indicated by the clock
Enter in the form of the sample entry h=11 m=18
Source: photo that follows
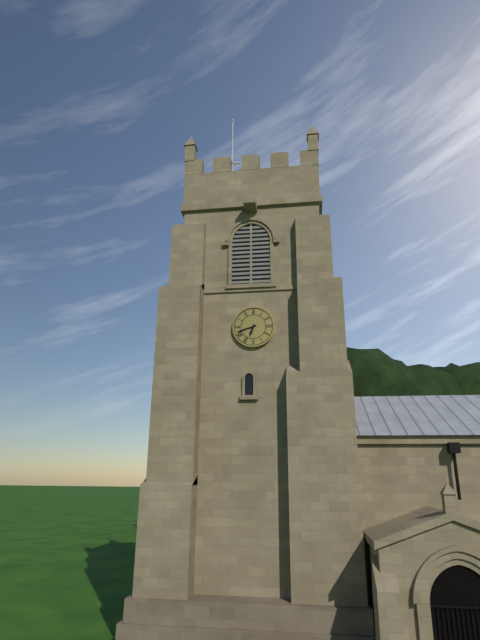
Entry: h=6 m=42
